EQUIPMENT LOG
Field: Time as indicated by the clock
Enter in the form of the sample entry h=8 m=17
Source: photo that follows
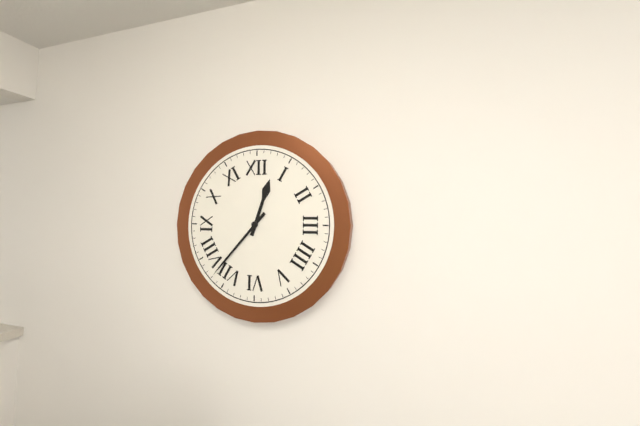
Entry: h=12 m=37
